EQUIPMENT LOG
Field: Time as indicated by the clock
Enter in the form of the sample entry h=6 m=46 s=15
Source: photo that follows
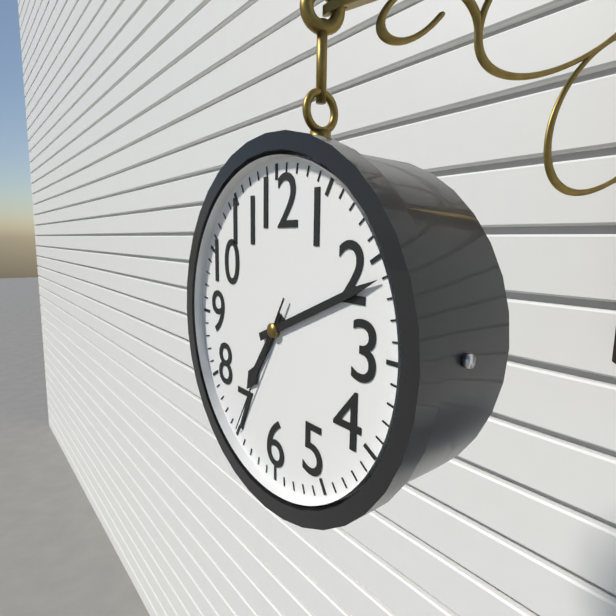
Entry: h=7 m=11 s=35
